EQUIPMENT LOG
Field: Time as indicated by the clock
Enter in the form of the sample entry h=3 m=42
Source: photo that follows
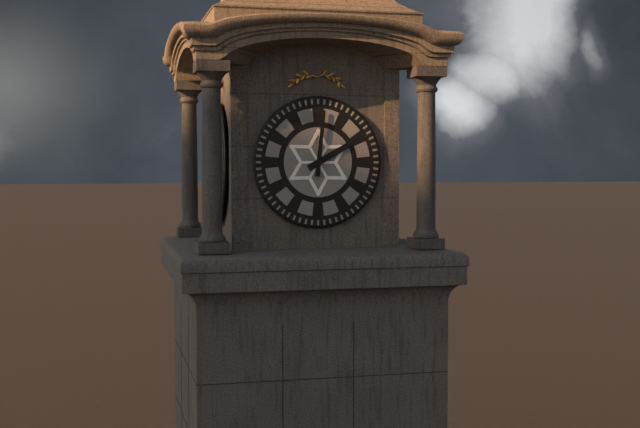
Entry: h=2 m=1
